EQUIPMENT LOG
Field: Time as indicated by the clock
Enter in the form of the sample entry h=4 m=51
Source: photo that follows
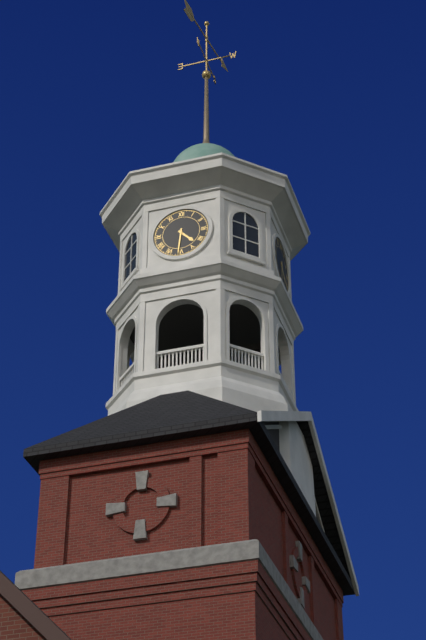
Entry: h=4 m=31
